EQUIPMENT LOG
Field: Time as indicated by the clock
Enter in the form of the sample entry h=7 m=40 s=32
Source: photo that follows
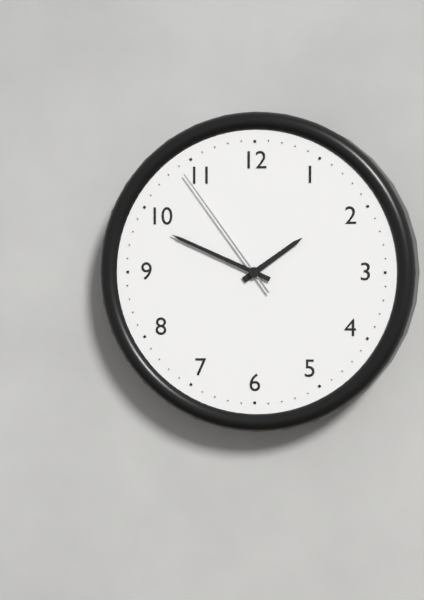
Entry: h=1 m=49 s=54
